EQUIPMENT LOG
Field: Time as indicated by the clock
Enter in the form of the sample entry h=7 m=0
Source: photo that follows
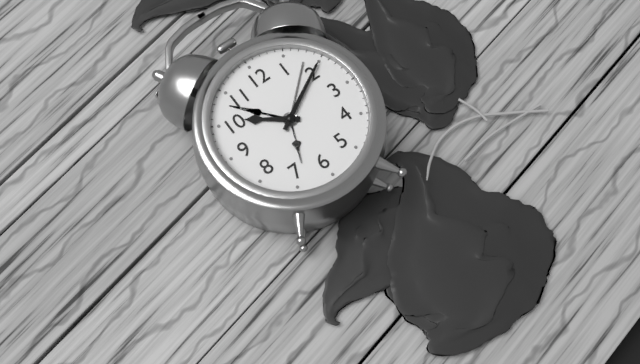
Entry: h=10 m=10
